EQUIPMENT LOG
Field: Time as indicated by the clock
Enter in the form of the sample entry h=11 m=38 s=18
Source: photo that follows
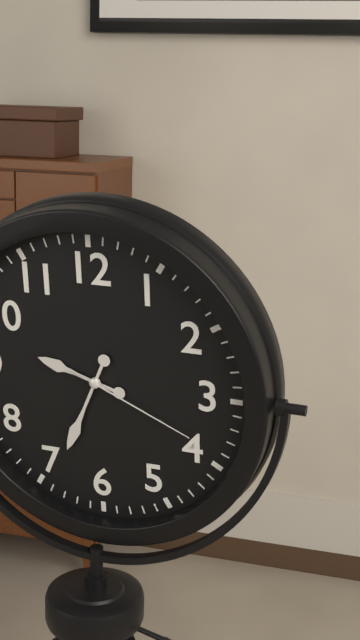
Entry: h=9 m=34 s=19
